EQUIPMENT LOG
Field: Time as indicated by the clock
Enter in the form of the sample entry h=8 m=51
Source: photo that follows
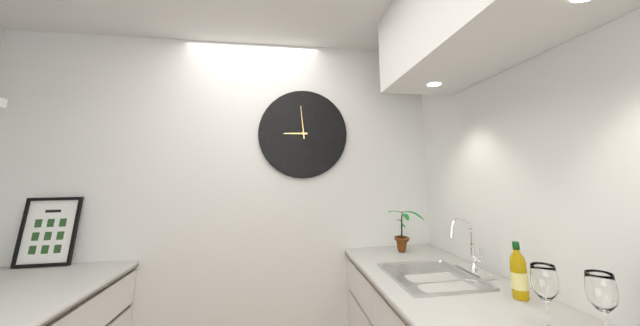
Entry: h=8 m=59
